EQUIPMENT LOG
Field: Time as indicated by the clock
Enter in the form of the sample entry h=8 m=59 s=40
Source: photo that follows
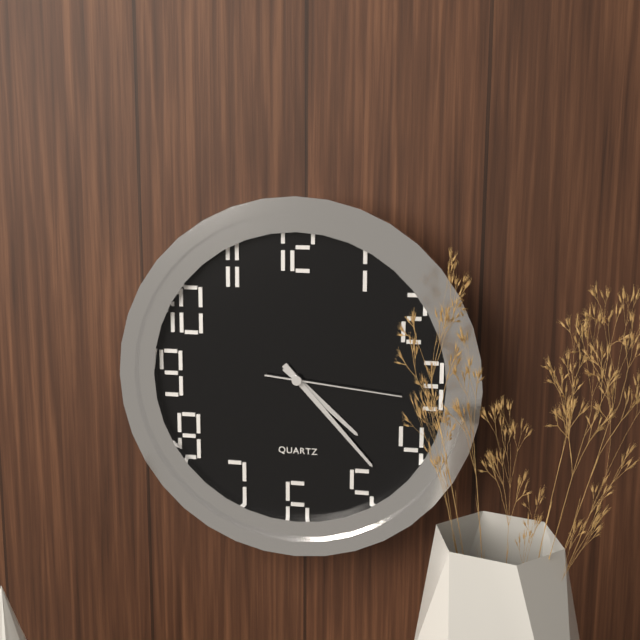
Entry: h=4 m=23 s=16
